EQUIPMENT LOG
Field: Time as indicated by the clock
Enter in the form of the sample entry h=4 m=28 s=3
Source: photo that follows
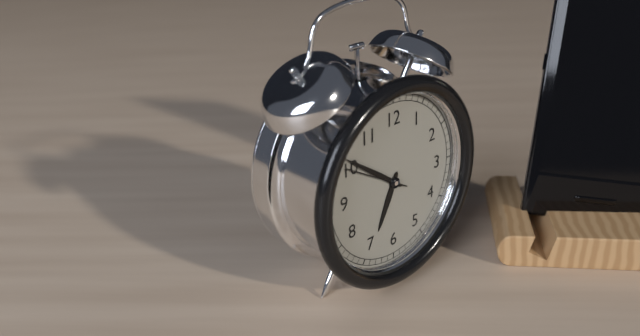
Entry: h=6 m=51 s=50
